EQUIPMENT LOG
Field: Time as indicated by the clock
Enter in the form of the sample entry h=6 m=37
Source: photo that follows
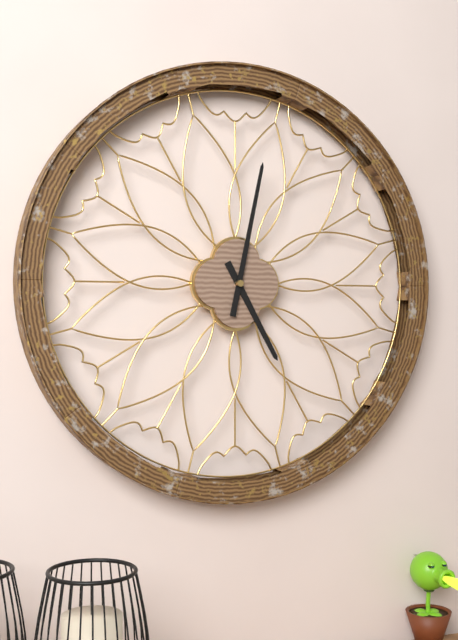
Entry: h=5 m=2
